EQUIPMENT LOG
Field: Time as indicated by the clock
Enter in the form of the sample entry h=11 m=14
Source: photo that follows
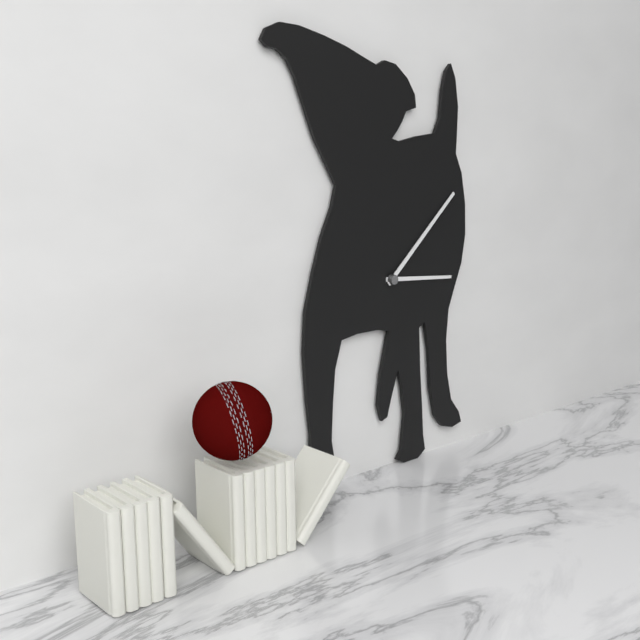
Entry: h=3 m=8
